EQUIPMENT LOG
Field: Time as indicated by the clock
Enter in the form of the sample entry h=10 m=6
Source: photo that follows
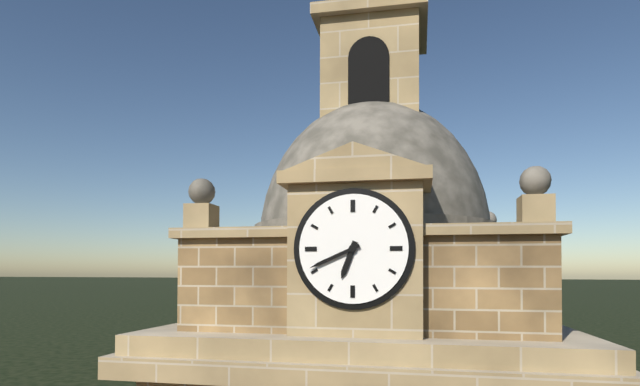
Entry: h=6 m=41
